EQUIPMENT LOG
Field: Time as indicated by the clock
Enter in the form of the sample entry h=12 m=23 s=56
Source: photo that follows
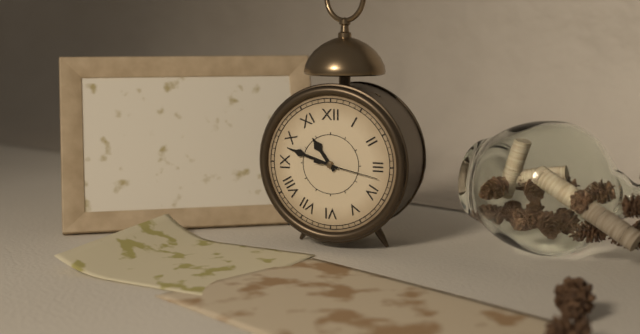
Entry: h=10 m=48 s=17
